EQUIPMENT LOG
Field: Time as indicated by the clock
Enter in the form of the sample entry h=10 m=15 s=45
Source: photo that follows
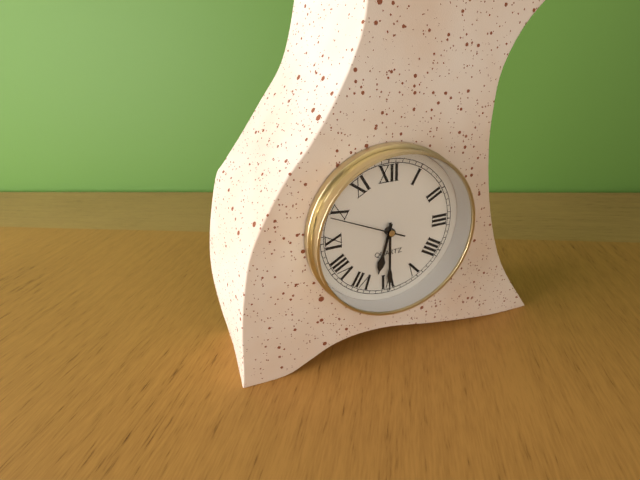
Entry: h=6 m=30 s=49
